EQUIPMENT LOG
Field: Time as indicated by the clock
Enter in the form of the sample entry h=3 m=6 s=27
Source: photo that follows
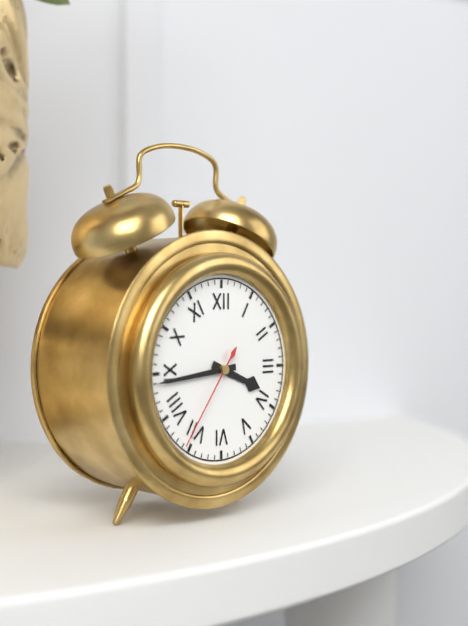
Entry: h=3 m=44 s=36
